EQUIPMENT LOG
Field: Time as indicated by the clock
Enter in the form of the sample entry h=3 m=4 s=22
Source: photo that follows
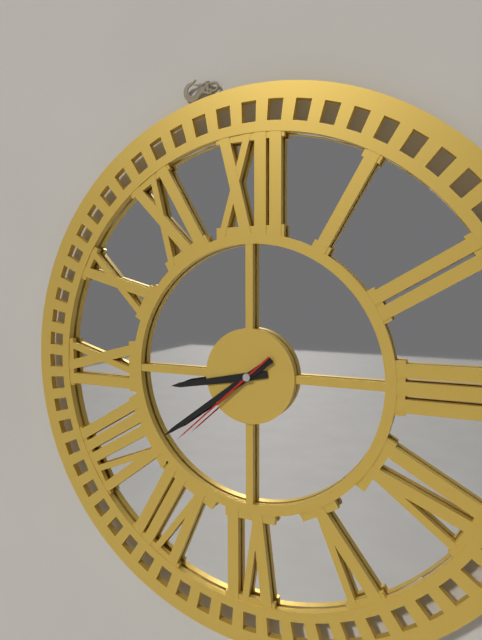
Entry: h=8 m=39 s=38
